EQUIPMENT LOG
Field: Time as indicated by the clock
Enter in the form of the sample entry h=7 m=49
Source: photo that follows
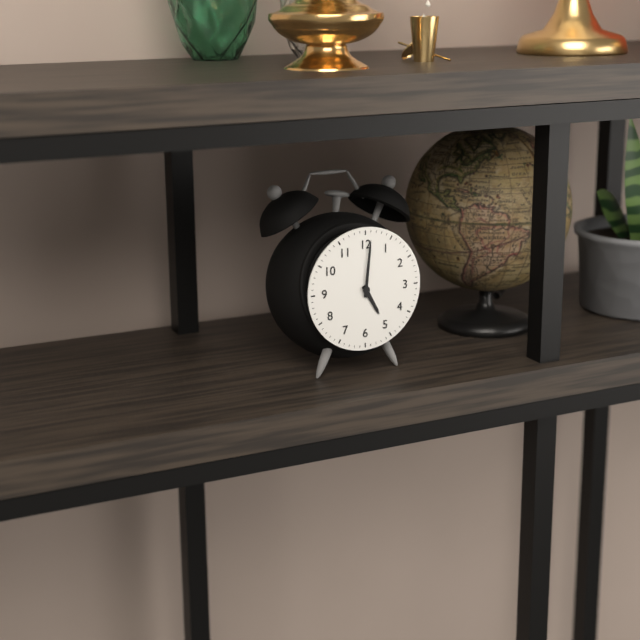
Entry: h=5 m=1
